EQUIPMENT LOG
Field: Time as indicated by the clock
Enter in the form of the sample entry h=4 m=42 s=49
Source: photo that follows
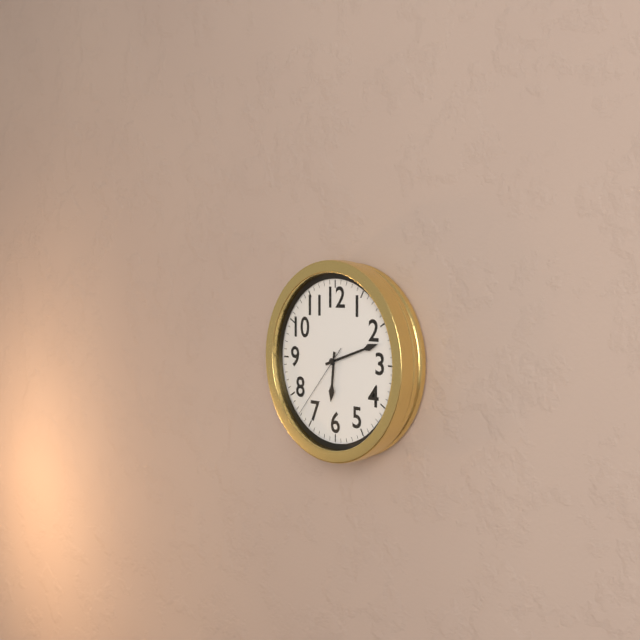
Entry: h=6 m=12 s=37
